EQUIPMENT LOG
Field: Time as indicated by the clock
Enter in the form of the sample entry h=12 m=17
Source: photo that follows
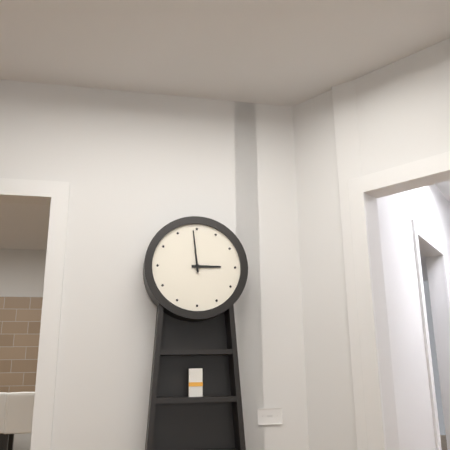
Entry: h=2 m=59
